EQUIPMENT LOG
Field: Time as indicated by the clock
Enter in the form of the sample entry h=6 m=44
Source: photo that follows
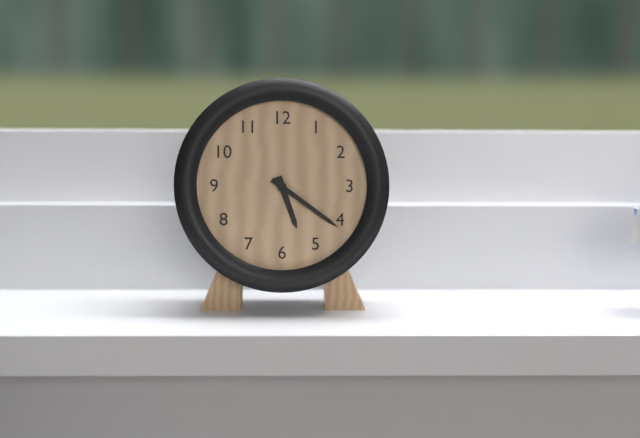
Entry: h=5 m=21
